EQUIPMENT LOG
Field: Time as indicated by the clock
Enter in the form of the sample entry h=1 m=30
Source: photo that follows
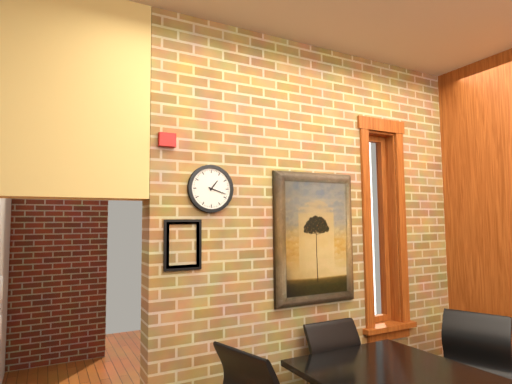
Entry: h=1 m=18
